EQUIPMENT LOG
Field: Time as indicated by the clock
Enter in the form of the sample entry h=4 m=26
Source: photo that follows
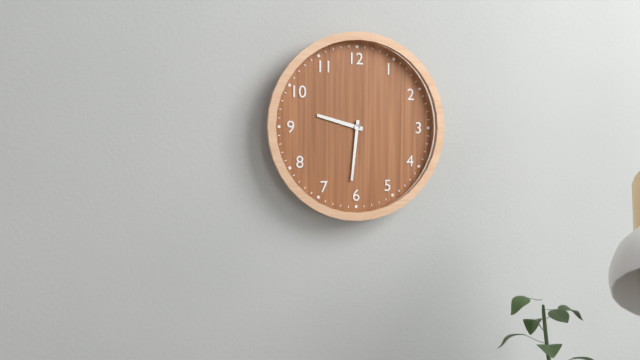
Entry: h=9 m=31
